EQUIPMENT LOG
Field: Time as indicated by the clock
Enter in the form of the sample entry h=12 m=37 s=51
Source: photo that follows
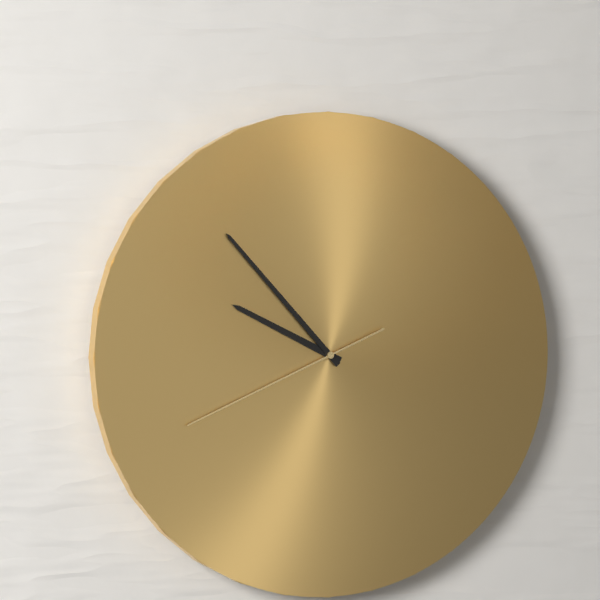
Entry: h=9 m=53 s=41
